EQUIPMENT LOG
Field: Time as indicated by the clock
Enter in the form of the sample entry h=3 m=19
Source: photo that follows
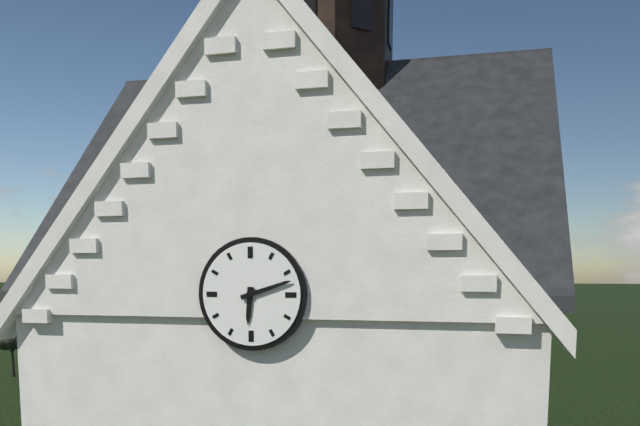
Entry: h=6 m=12
